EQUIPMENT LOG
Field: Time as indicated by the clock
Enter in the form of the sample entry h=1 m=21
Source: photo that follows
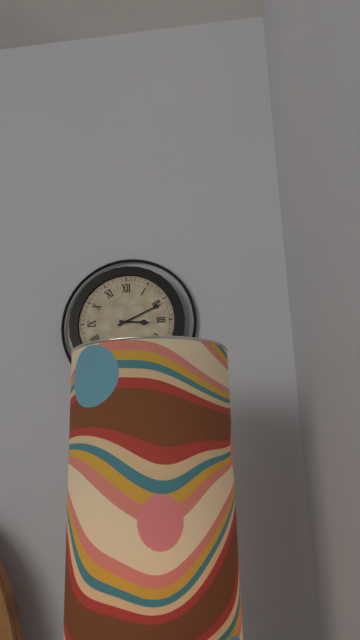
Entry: h=3 m=11
